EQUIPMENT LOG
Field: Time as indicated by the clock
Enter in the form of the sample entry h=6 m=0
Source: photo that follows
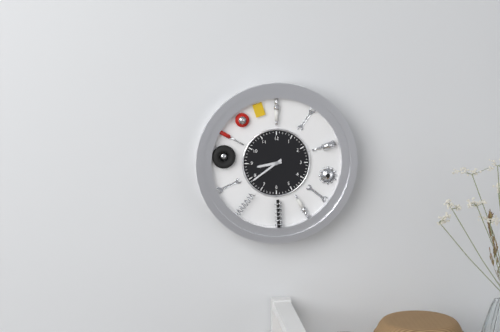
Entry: h=8 m=39
